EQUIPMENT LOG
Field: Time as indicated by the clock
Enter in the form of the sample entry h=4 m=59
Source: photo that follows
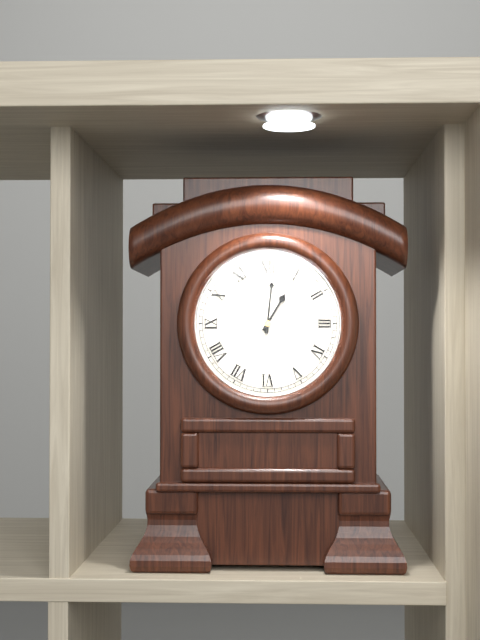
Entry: h=1 m=1
